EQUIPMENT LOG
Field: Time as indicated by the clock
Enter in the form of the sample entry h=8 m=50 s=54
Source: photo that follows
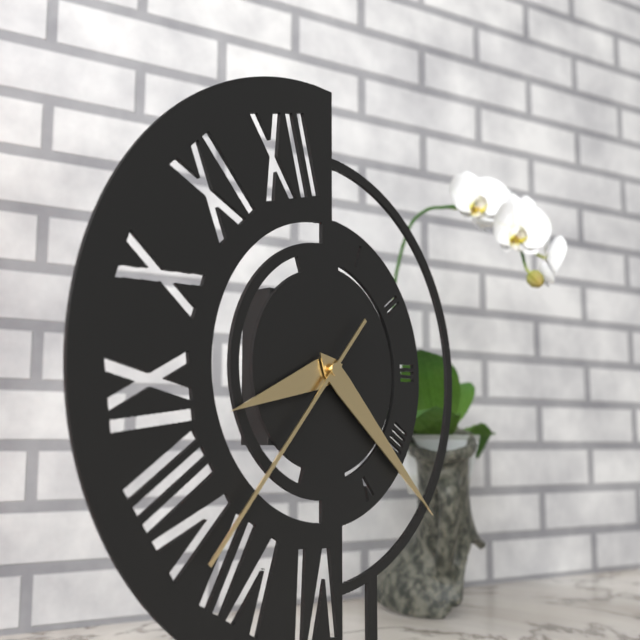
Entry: h=8 m=22 s=37
